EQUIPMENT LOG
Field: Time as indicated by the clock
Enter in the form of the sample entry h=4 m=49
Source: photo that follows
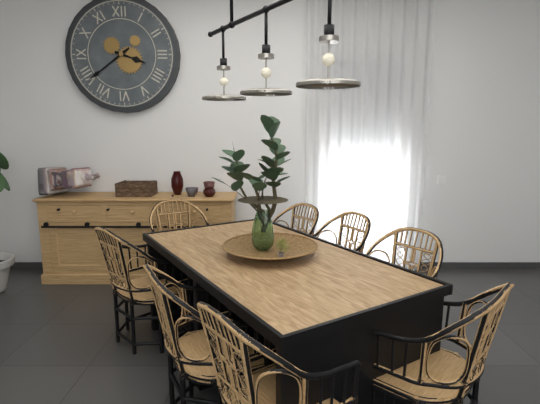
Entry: h=3 m=39
